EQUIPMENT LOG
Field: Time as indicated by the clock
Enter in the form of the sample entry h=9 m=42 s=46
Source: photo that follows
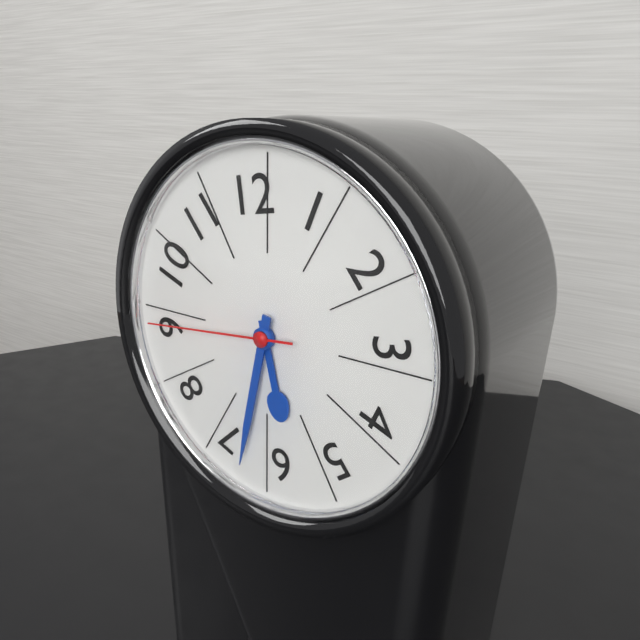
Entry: h=5 m=32 s=44
